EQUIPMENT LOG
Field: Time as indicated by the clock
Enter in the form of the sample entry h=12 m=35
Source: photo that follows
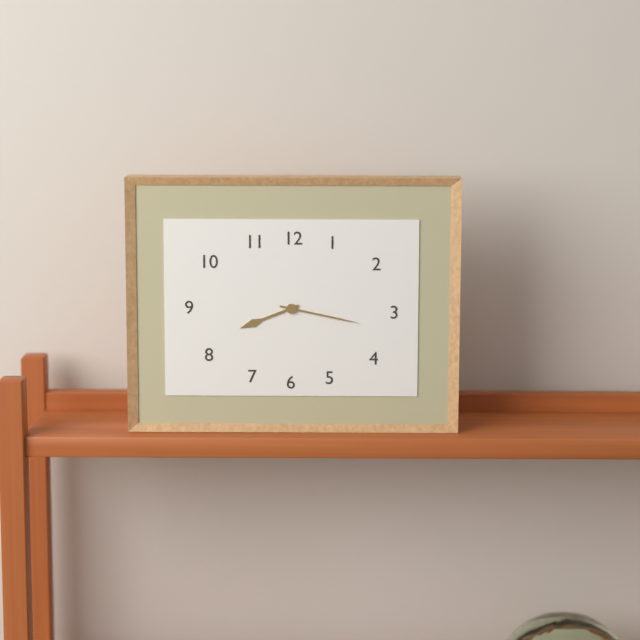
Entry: h=8 m=17
